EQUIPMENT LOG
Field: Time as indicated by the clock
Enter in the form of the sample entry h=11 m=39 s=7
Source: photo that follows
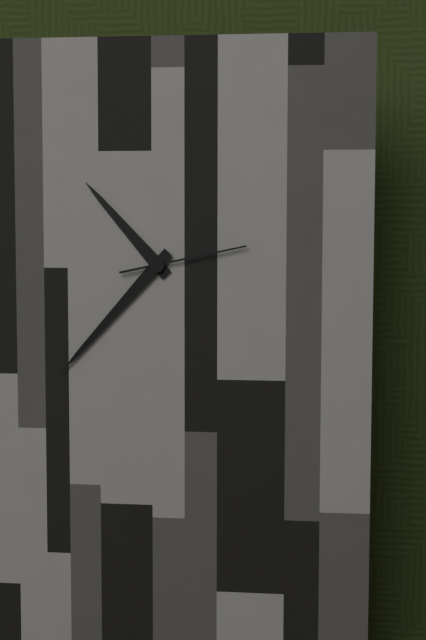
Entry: h=10 m=37 s=13
